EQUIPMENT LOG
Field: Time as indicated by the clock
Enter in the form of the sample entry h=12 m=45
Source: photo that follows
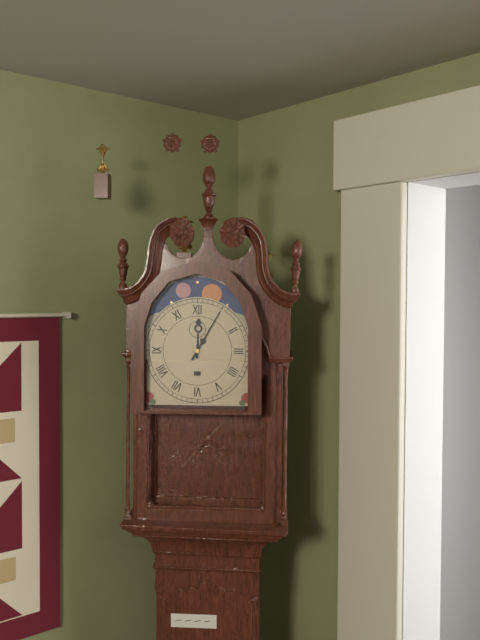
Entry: h=12 m=5
